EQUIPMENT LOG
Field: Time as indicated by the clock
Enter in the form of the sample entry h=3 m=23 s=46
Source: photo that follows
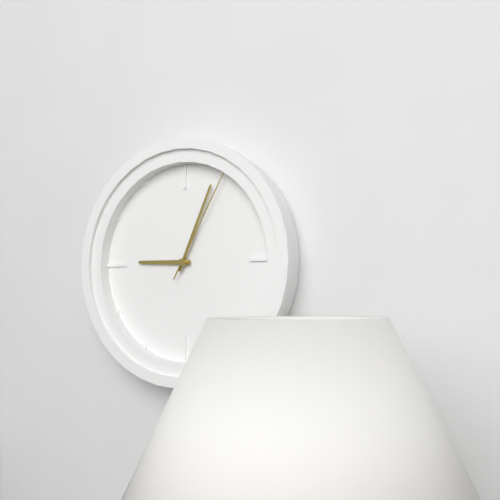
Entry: h=9 m=4 s=5
